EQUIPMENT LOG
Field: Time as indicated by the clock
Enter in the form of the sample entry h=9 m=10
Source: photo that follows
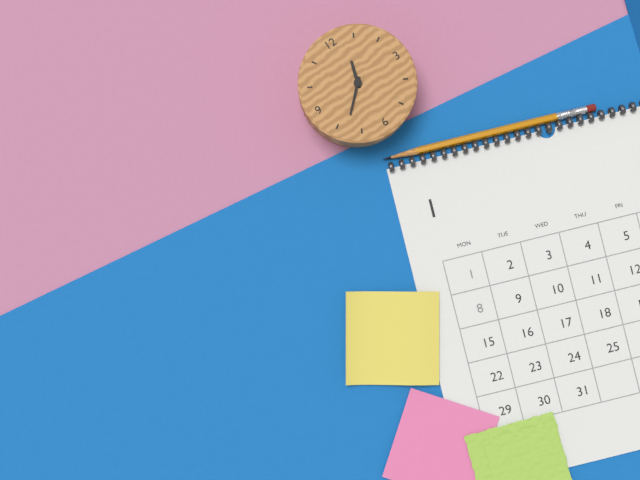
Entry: h=12 m=38
